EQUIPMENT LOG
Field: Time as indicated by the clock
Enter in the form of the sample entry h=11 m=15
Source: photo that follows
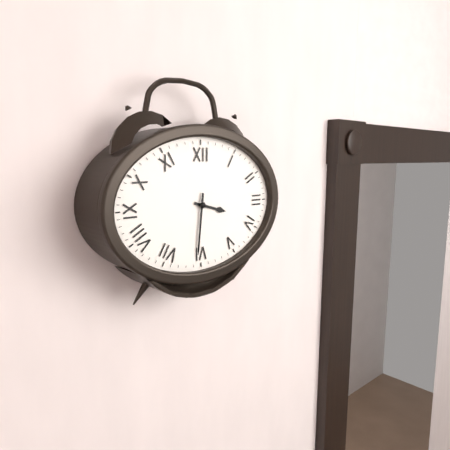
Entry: h=3 m=31
